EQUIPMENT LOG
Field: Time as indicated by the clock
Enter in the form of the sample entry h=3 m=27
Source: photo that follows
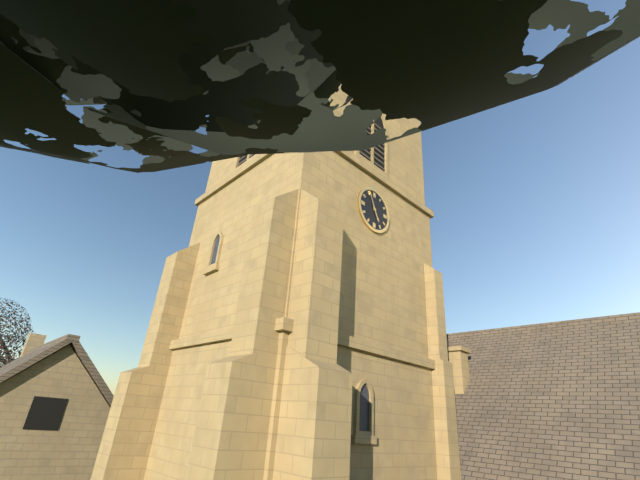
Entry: h=4 m=56
